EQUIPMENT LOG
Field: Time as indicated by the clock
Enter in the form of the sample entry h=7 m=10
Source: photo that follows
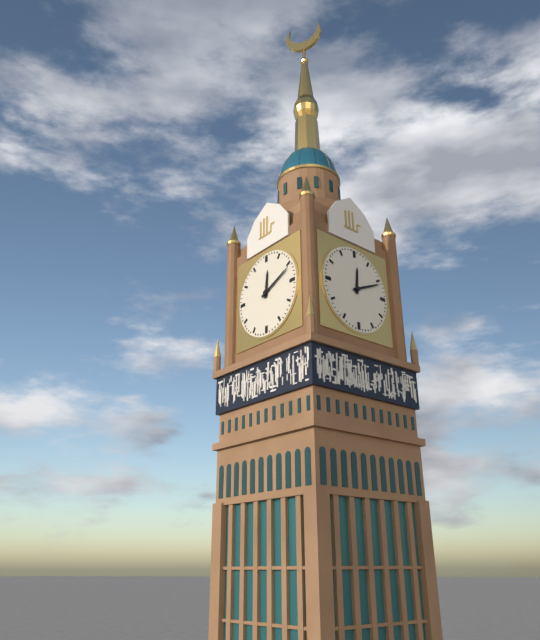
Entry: h=12 m=11
